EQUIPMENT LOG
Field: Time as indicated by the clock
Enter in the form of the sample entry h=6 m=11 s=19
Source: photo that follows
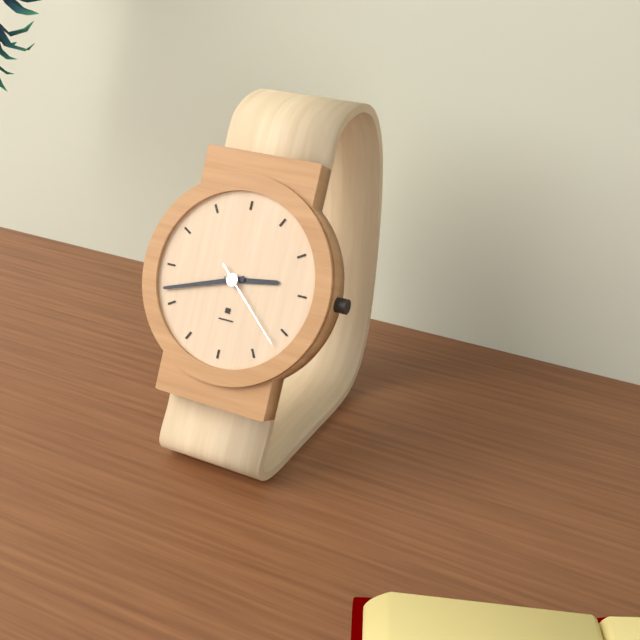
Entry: h=2 m=42 s=22
